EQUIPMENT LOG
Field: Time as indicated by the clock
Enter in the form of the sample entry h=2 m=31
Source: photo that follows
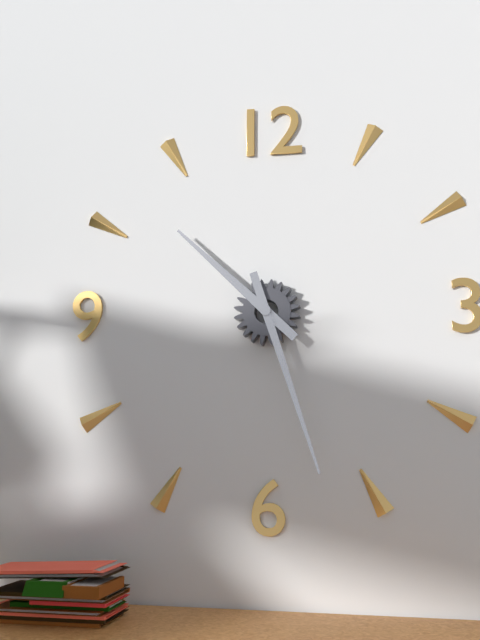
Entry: h=10 m=27
